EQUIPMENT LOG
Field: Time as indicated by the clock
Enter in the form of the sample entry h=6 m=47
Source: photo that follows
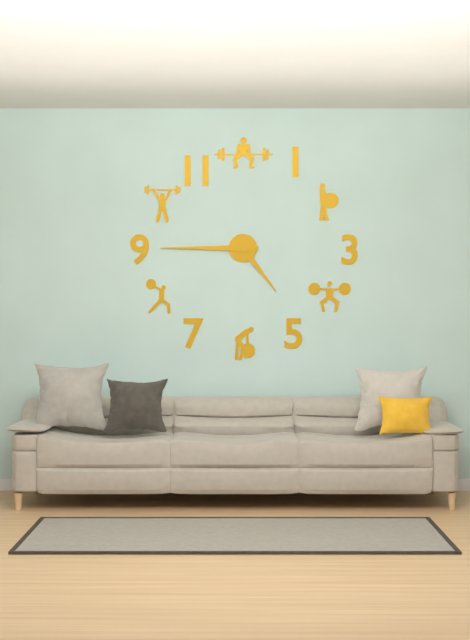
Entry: h=4 m=45
